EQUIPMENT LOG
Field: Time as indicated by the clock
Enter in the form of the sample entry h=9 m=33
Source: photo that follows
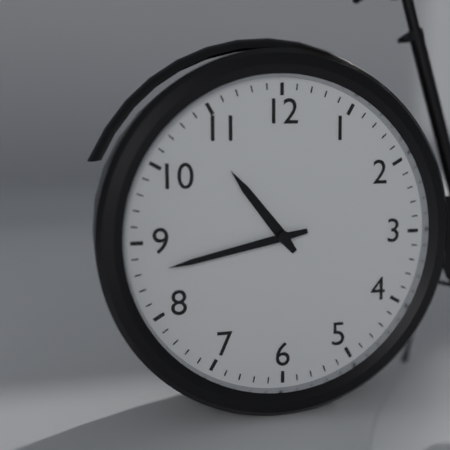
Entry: h=10 m=43
